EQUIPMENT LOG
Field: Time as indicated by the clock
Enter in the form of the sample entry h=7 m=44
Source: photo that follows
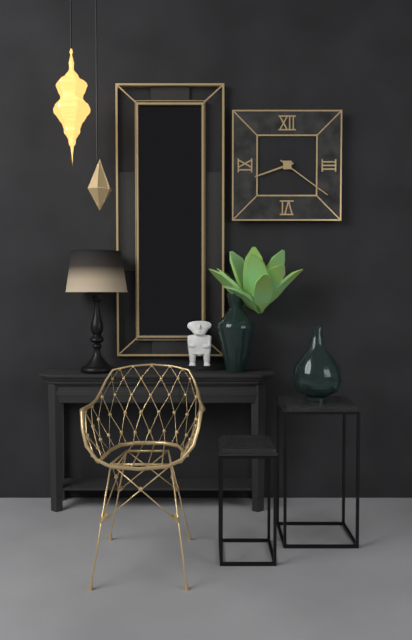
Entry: h=8 m=21
